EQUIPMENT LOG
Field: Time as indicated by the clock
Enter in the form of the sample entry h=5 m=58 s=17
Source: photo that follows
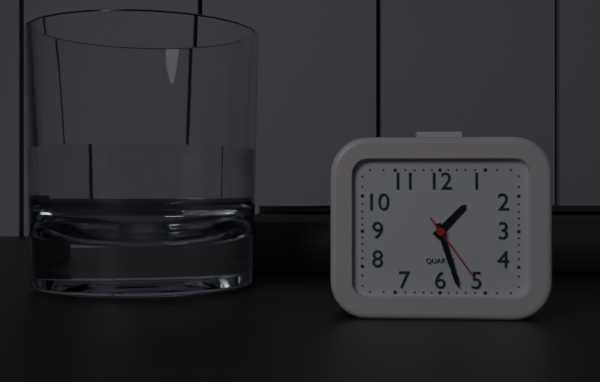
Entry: h=1 m=27 s=24
